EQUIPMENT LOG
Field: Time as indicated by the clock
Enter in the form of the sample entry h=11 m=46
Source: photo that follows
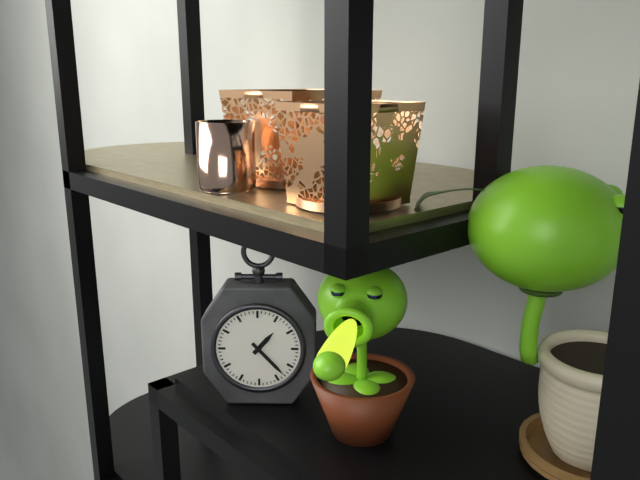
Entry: h=1 m=23
